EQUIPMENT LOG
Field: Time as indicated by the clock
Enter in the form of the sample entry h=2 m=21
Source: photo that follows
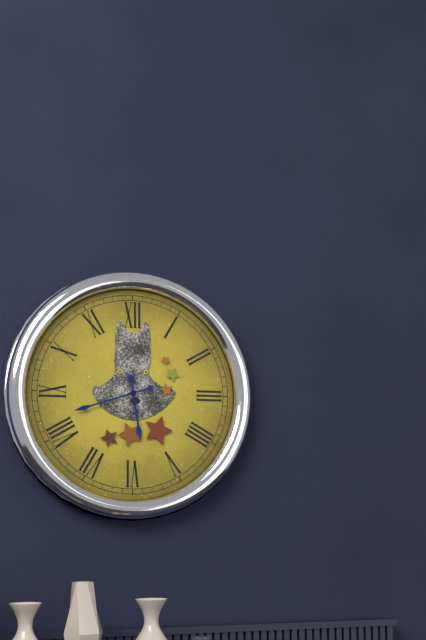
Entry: h=5 m=42
